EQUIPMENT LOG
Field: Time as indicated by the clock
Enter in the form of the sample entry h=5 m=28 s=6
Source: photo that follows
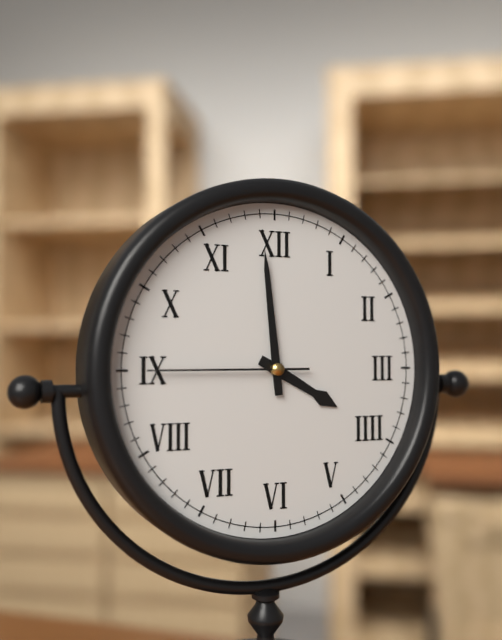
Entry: h=3 m=59 s=45
